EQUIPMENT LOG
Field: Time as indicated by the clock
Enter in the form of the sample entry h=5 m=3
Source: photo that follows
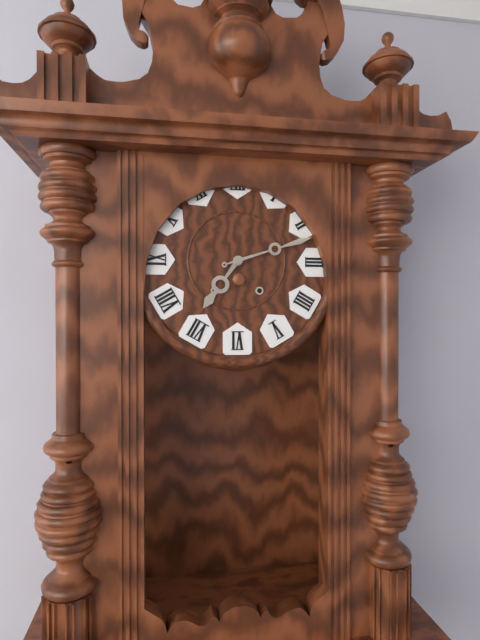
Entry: h=7 m=12
